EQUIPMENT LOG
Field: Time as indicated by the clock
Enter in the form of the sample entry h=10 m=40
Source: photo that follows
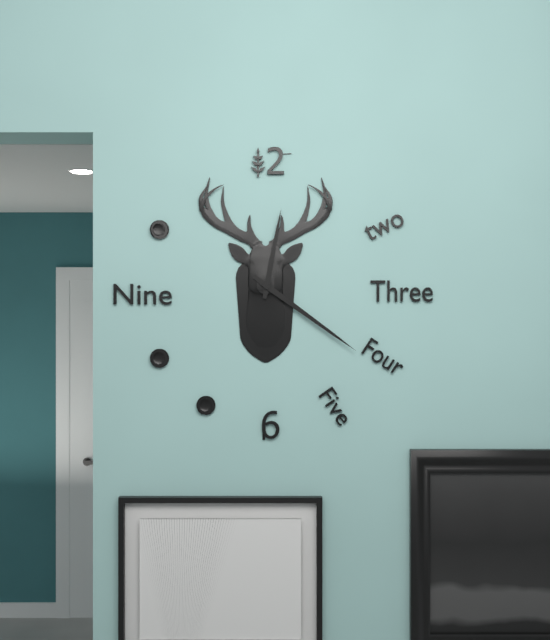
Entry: h=12 m=21
